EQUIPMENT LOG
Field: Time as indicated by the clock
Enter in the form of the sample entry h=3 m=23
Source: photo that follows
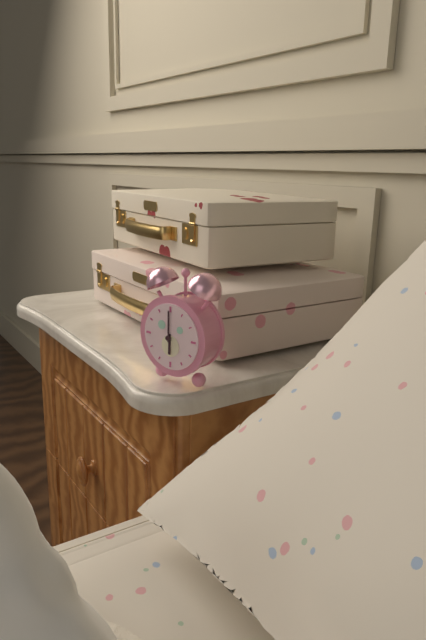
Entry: h=6 m=0
